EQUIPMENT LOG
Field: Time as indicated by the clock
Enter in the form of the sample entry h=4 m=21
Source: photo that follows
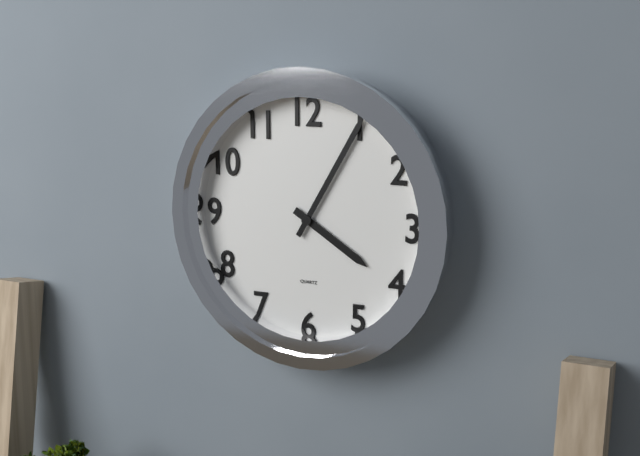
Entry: h=4 m=5
